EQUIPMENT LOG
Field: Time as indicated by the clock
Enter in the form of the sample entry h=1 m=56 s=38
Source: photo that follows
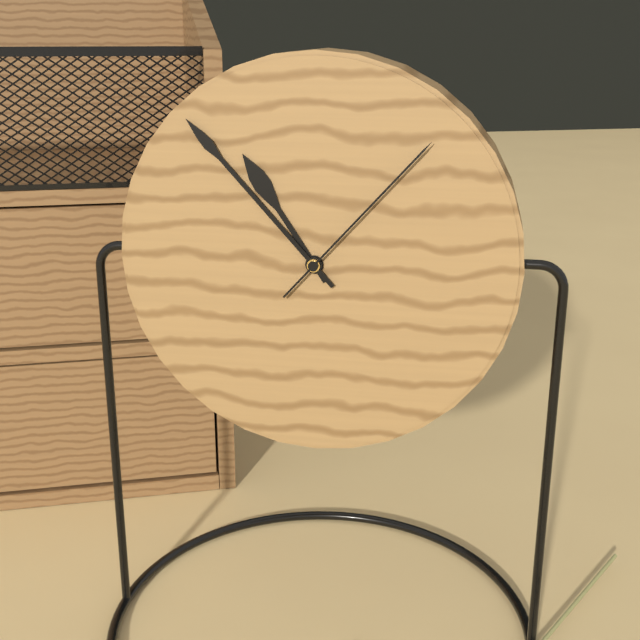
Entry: h=10 m=53 s=7
